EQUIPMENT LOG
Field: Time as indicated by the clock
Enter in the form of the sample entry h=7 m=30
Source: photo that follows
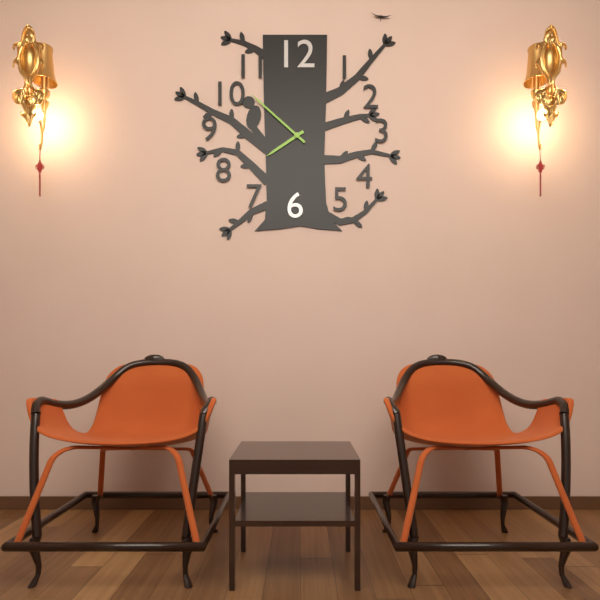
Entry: h=7 m=52
